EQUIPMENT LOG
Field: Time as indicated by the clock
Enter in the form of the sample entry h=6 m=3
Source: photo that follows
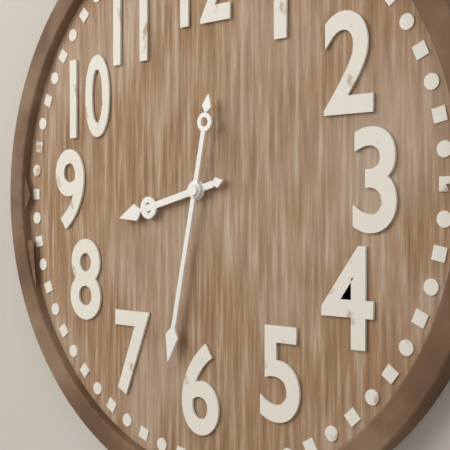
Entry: h=8 m=32
